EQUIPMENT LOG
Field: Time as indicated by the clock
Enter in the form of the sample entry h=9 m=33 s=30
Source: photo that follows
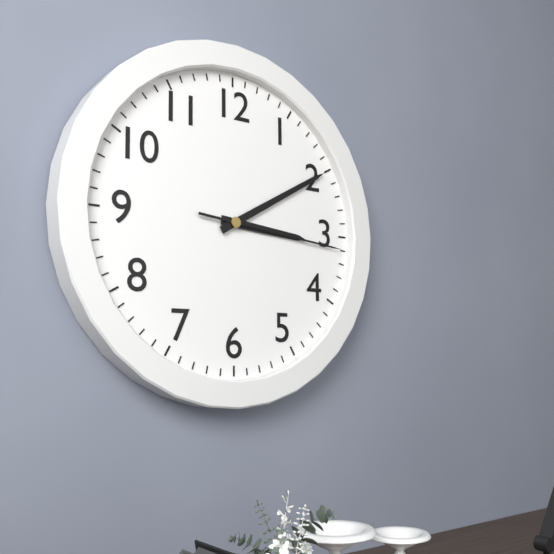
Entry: h=3 m=10 s=16
